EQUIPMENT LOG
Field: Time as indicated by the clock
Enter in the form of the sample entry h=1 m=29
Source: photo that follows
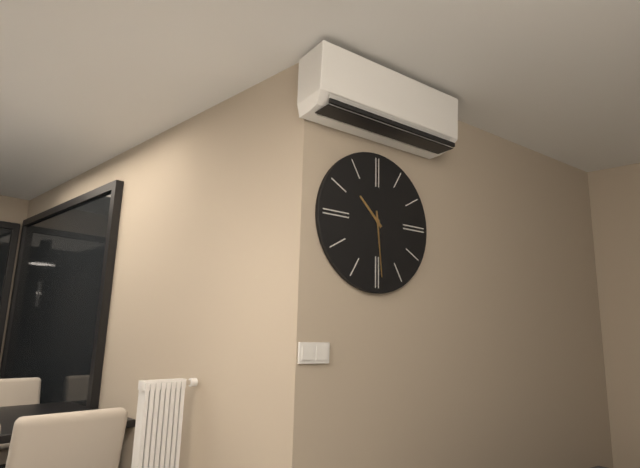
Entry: h=10 m=29
